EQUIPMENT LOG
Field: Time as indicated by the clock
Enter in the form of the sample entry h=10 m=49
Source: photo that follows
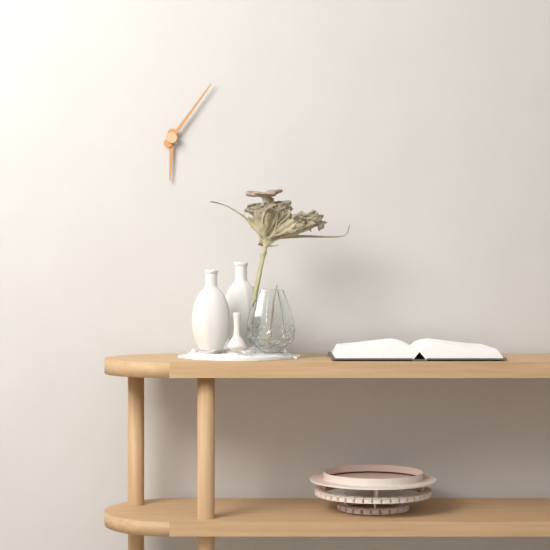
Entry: h=6 m=6
